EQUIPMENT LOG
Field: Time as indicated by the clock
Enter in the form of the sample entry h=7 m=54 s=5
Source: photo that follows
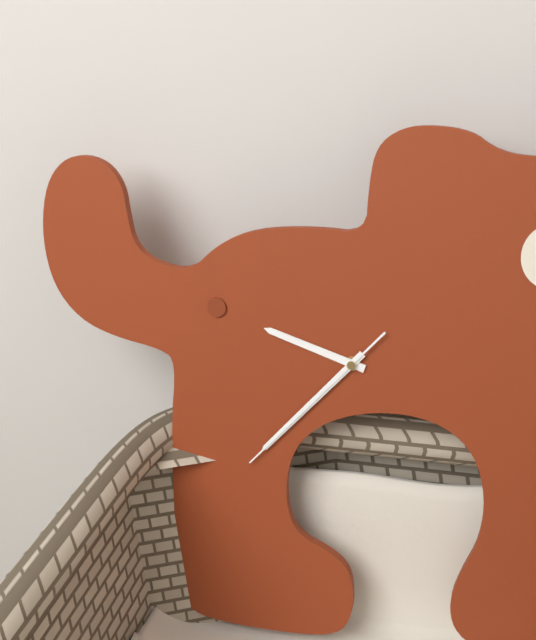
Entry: h=9 m=37 s=37
